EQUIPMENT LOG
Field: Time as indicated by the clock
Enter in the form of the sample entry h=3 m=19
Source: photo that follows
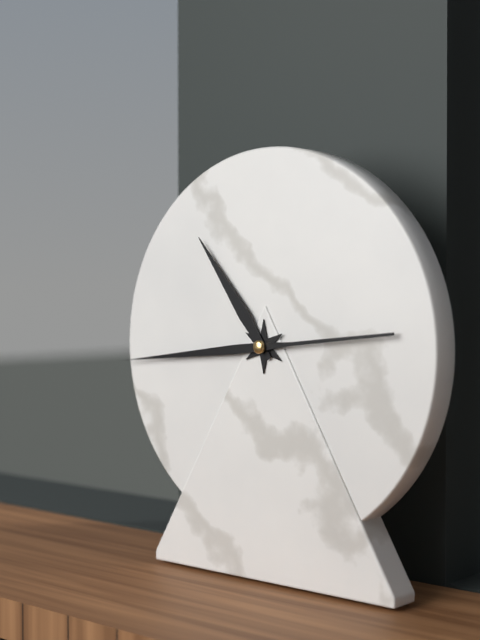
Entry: h=10 m=44
